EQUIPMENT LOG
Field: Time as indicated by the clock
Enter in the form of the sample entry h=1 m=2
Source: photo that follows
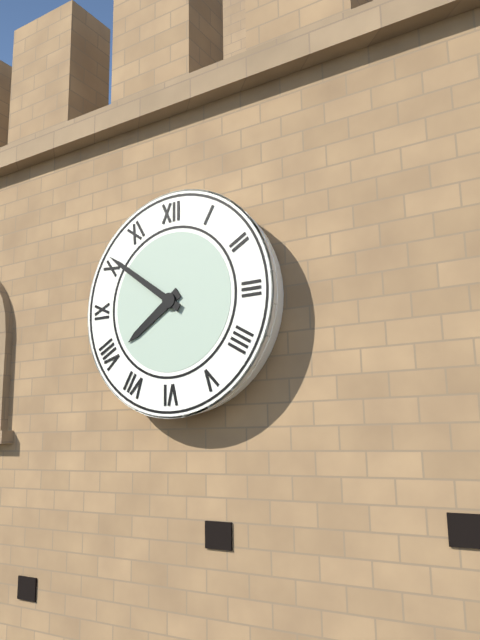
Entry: h=7 m=51
